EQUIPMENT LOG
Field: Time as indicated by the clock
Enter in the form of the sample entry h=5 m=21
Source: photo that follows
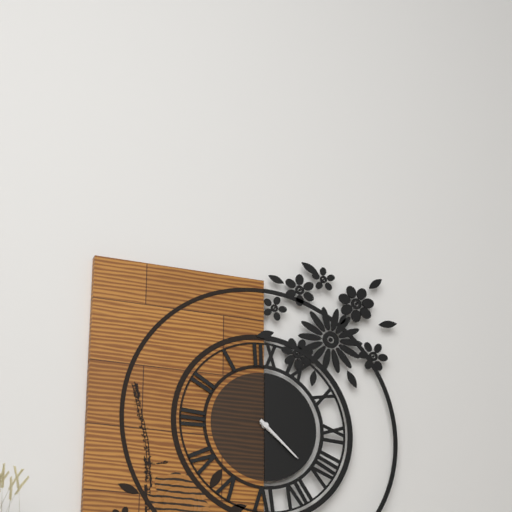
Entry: h=4 m=22
